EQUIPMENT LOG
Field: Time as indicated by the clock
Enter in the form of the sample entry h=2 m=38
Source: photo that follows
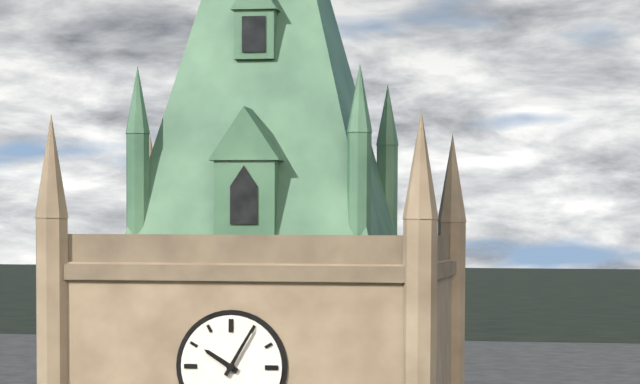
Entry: h=10 m=5
